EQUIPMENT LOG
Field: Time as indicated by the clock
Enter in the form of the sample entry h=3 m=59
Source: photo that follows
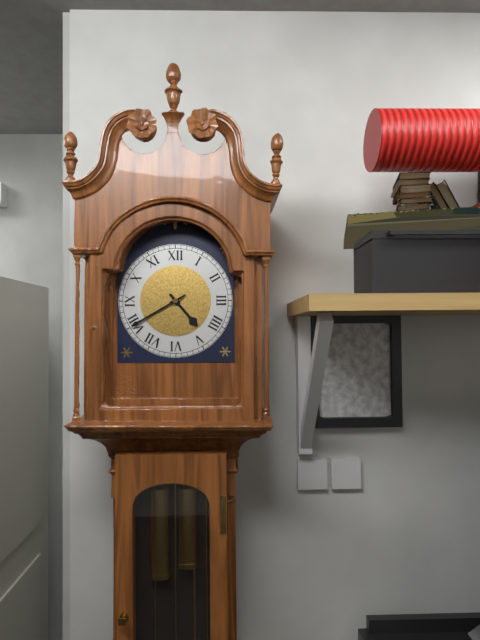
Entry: h=4 m=40
